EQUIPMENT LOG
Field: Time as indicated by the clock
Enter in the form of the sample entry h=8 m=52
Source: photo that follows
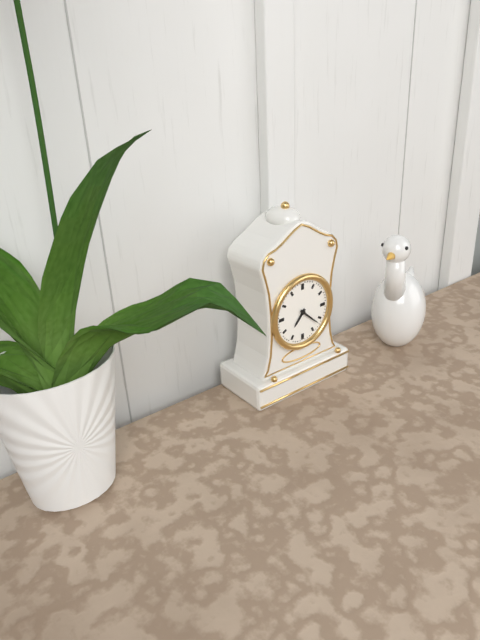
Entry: h=7 m=22
